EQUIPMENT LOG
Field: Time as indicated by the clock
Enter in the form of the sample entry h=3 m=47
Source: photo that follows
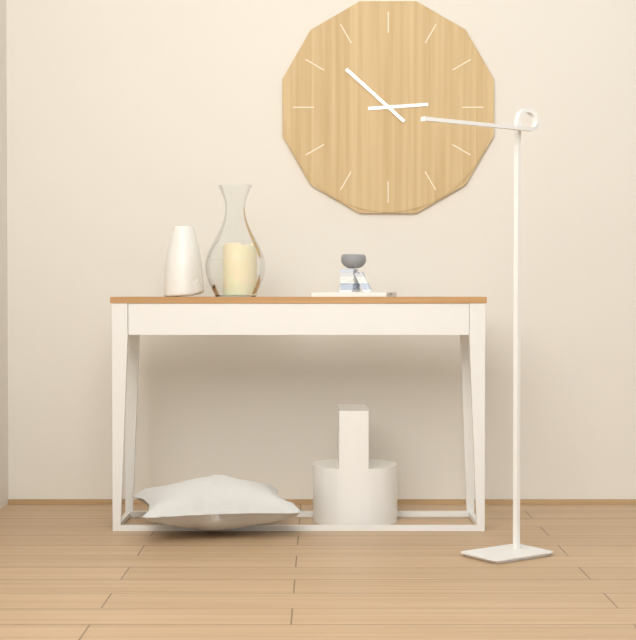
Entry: h=2 m=52
